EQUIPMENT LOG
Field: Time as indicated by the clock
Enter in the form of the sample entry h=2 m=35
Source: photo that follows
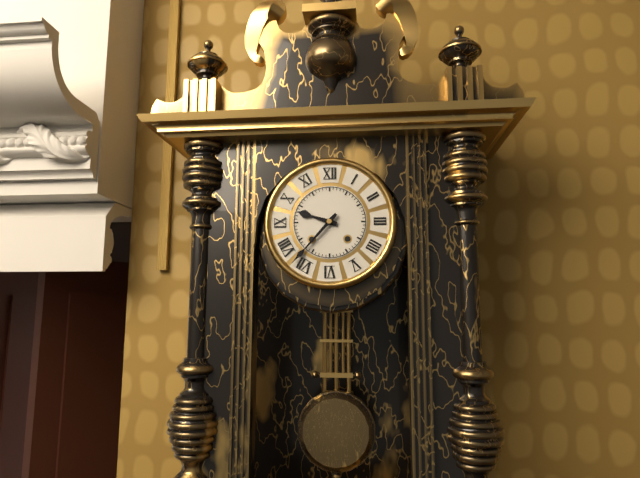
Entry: h=9 m=37
